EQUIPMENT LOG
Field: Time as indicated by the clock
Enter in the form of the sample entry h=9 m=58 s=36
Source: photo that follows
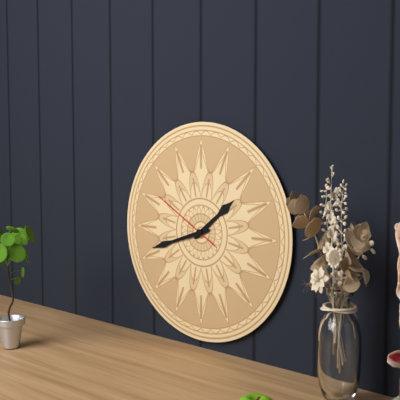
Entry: h=1 m=42 s=50
